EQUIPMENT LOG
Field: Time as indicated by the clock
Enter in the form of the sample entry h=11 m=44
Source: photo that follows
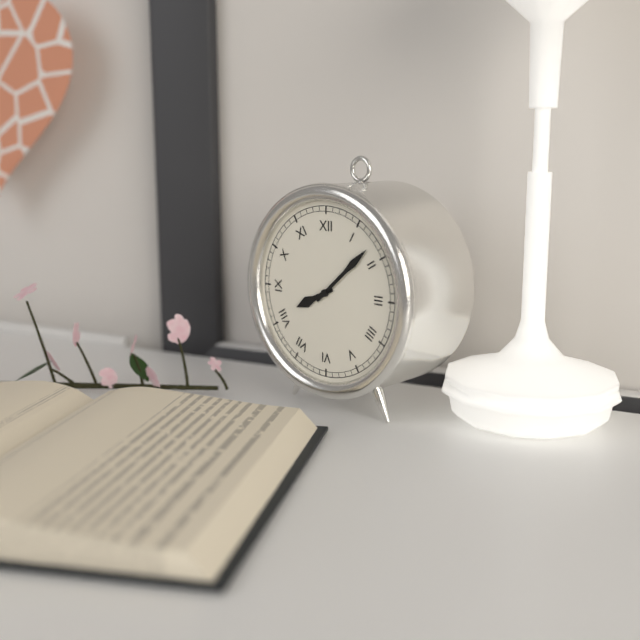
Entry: h=8 m=8
